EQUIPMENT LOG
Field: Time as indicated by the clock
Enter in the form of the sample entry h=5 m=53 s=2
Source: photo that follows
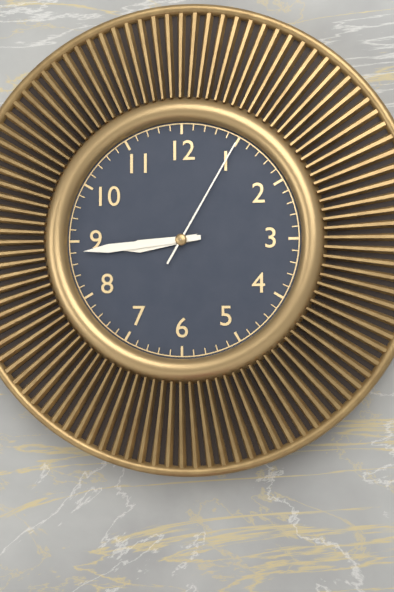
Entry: h=8 m=44 s=5
